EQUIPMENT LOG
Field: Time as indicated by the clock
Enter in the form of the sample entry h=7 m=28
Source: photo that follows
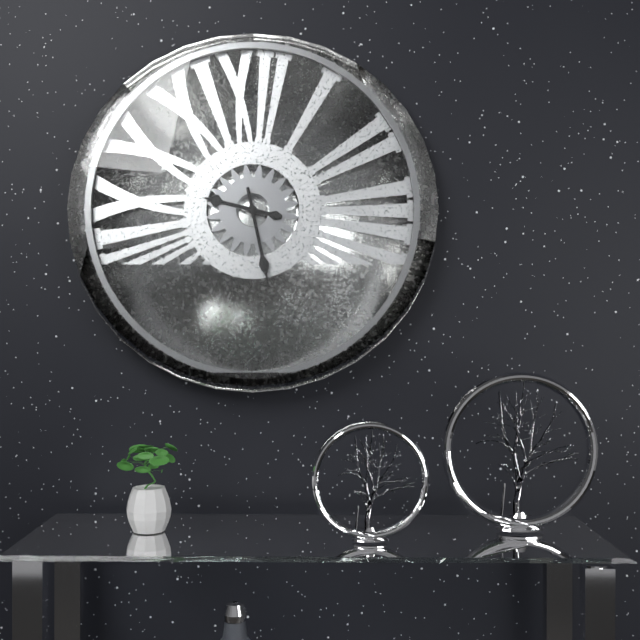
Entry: h=9 m=28
